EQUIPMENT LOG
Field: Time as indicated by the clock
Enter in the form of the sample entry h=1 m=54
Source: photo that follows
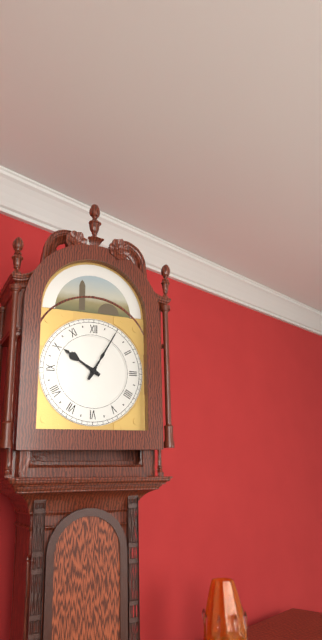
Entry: h=10 m=5
